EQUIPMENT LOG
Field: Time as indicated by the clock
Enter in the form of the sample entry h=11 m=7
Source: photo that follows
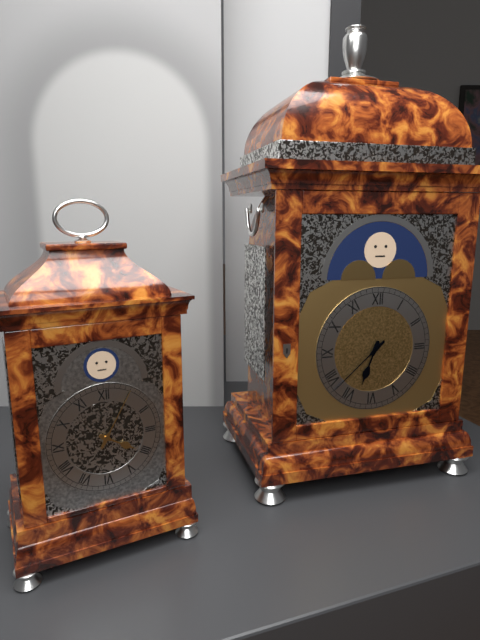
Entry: h=6 m=38
